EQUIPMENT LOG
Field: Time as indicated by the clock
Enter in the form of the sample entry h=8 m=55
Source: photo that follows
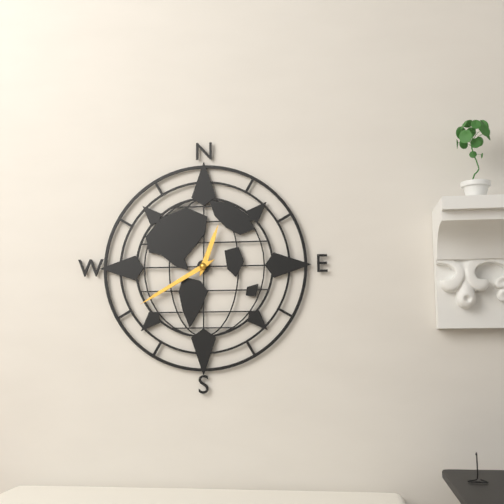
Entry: h=12 m=40
